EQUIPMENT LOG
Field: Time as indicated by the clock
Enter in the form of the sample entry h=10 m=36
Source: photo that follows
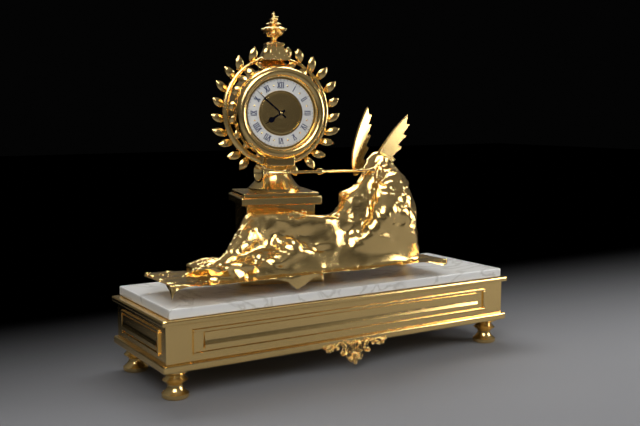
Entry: h=7 m=52
